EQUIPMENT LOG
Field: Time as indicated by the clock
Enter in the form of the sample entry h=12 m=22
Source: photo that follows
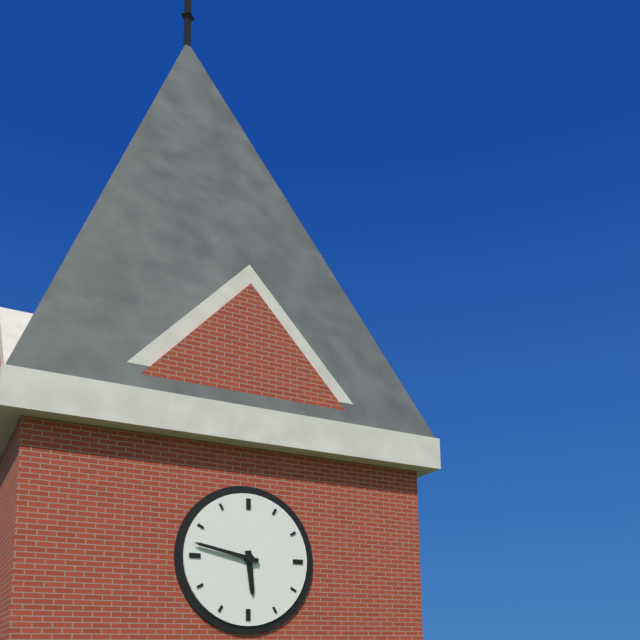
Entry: h=5 m=47
